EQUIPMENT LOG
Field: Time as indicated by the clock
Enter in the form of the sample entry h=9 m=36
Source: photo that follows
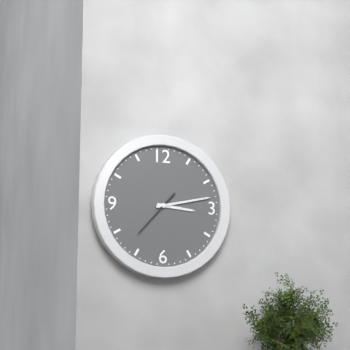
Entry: h=3 m=13
